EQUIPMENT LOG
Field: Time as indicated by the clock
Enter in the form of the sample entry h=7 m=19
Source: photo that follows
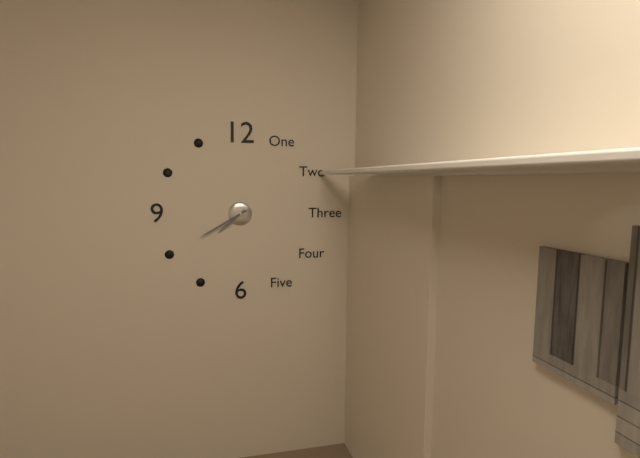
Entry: h=7 m=40
